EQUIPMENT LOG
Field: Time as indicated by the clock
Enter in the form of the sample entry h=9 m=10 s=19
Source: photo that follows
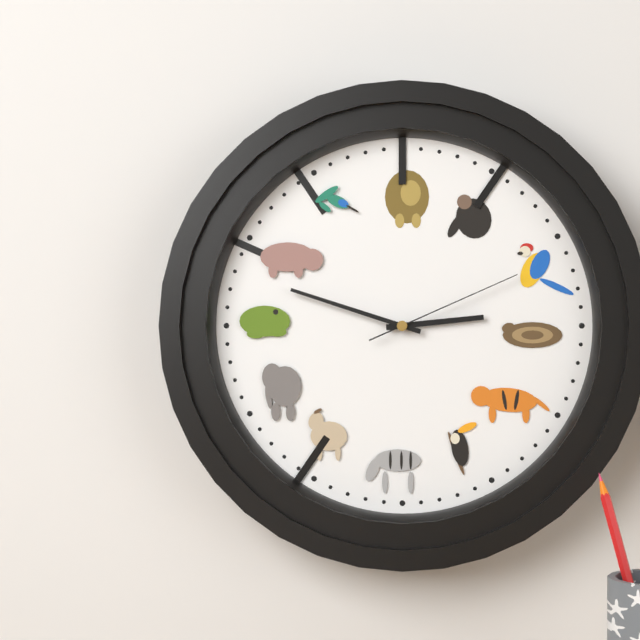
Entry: h=2 m=48 s=11
